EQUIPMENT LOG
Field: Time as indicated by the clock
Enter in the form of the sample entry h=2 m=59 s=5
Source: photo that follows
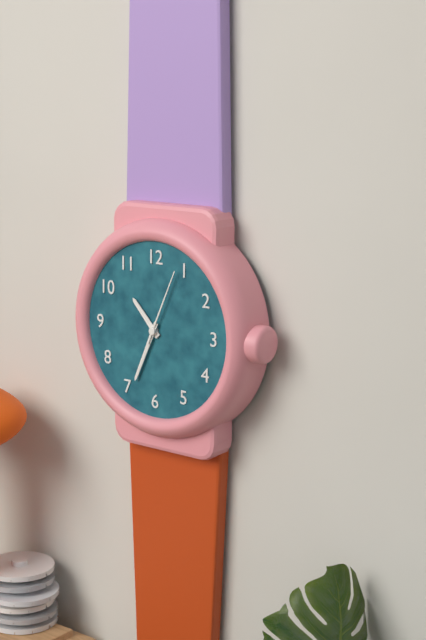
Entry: h=10 m=34 s=4
